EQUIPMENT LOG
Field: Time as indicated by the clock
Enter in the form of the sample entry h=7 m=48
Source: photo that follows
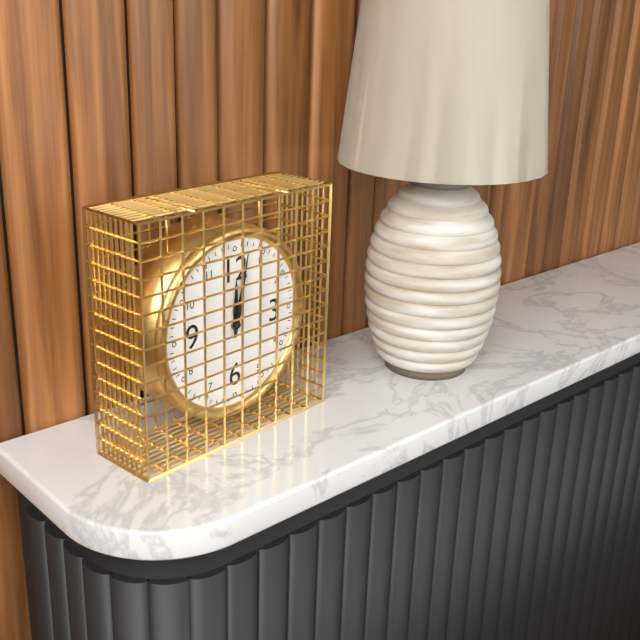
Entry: h=12 m=2
